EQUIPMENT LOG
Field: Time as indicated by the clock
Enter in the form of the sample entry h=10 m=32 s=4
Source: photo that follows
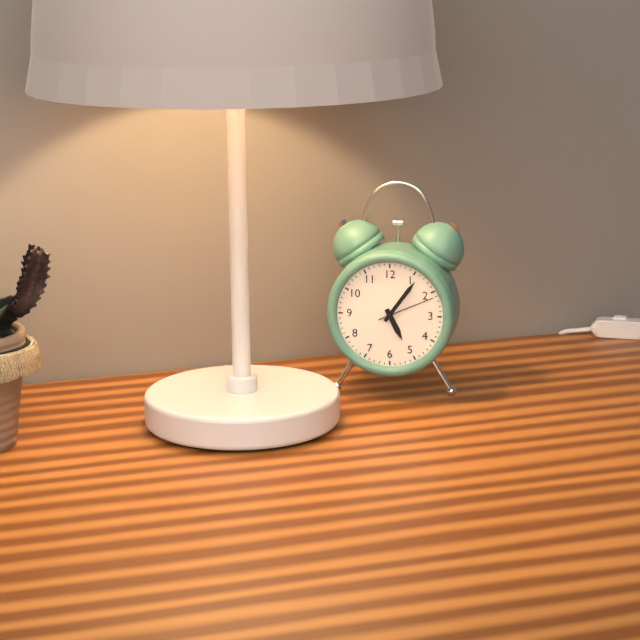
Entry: h=5 m=6 s=11
